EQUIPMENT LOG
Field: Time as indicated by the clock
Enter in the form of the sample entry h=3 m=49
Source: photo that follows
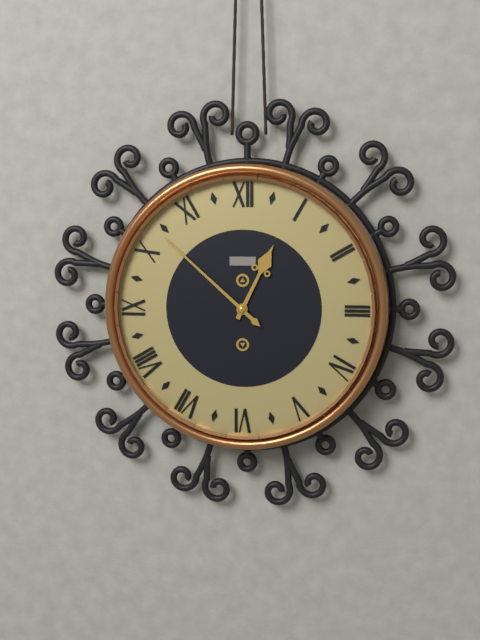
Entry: h=12 m=52
